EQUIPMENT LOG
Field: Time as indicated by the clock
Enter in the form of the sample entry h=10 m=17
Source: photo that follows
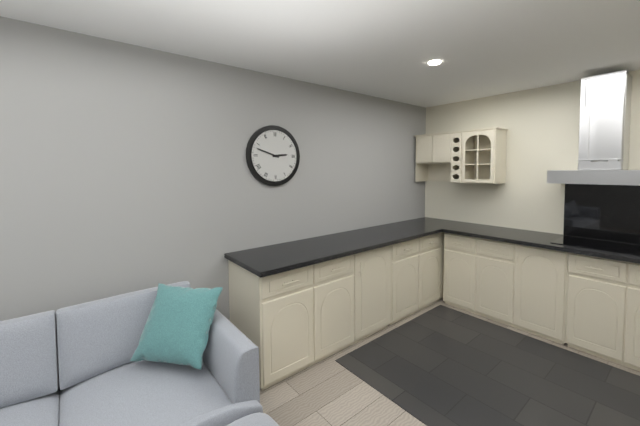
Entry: h=2 m=48
